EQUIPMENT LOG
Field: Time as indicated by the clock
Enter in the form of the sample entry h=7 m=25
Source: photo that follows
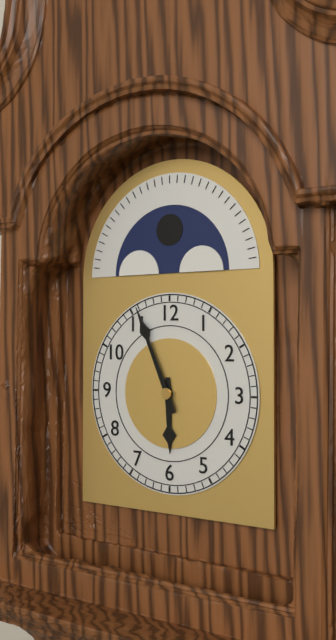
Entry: h=5 m=56
